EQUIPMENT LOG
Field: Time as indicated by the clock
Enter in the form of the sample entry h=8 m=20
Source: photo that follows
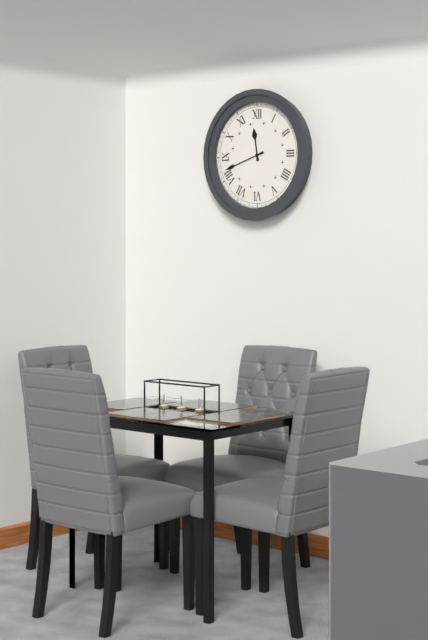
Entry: h=11 m=42
